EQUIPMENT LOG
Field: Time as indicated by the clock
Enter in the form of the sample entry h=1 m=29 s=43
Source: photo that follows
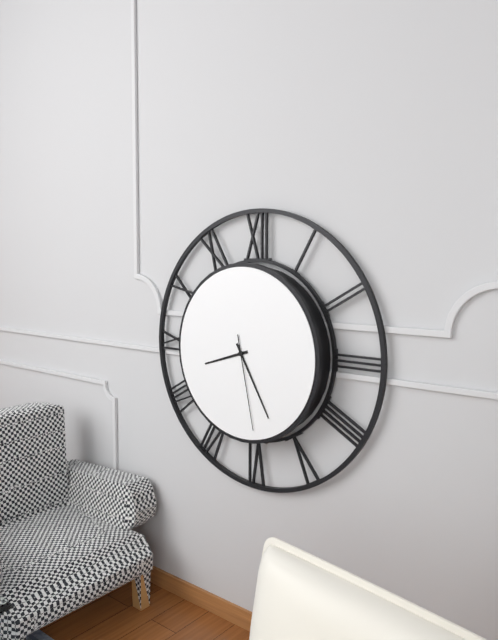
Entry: h=8 m=25 s=28
